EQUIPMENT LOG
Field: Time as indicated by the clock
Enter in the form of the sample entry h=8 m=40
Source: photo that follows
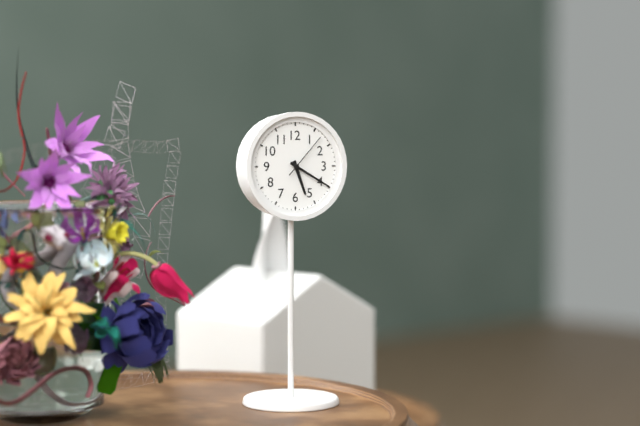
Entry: h=5 m=20
